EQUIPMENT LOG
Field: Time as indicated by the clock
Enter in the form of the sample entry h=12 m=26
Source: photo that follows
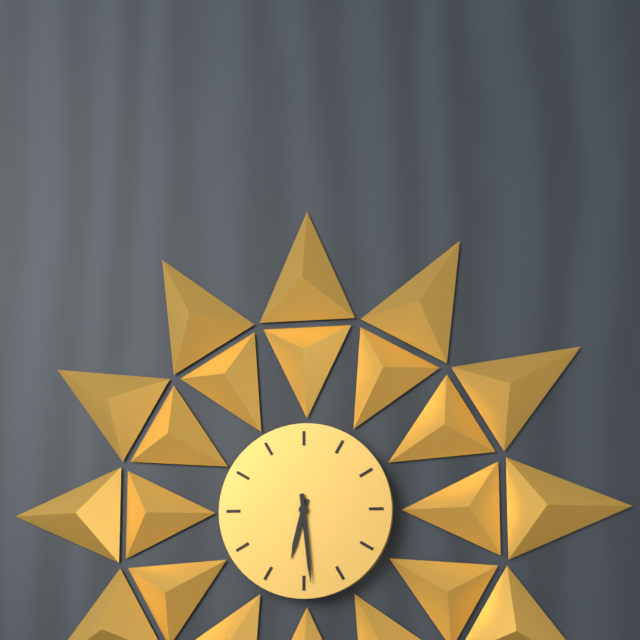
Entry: h=6 m=29
